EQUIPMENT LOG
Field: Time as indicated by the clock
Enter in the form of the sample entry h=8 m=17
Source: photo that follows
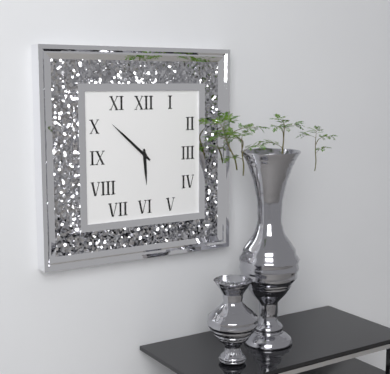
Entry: h=5 m=52
